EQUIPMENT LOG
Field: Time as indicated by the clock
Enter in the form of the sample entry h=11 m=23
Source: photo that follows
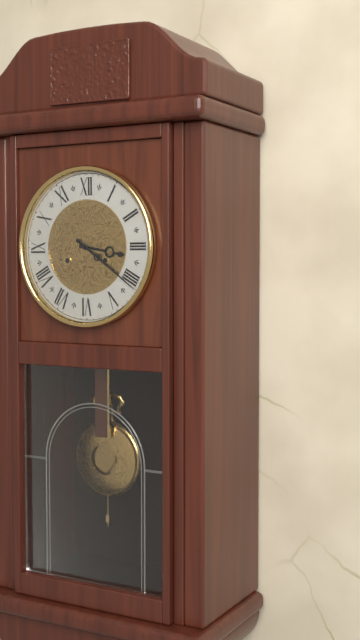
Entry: h=3 m=21
